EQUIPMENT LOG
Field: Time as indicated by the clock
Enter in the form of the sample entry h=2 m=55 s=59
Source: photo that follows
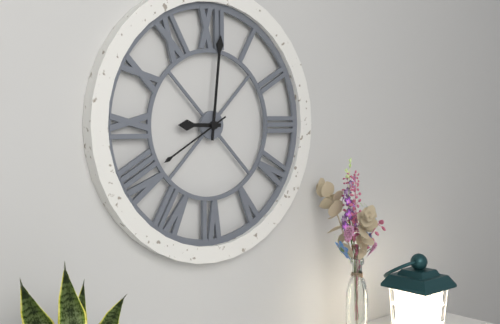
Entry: h=9 m=1 s=40
